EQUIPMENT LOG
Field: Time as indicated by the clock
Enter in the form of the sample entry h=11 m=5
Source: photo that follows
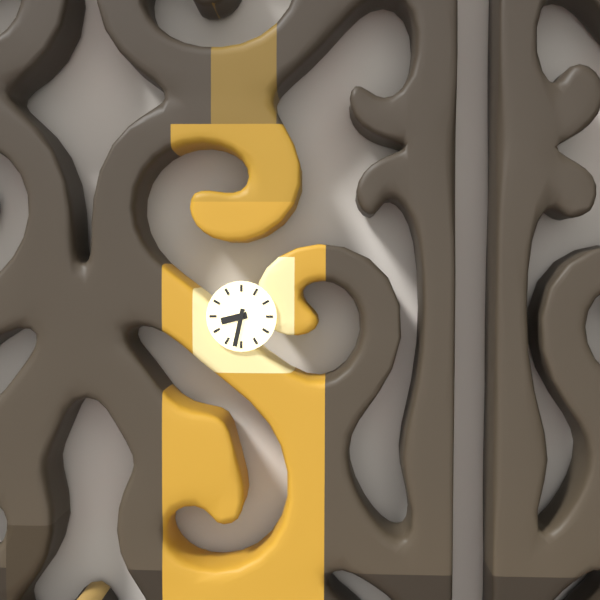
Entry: h=8 m=32
